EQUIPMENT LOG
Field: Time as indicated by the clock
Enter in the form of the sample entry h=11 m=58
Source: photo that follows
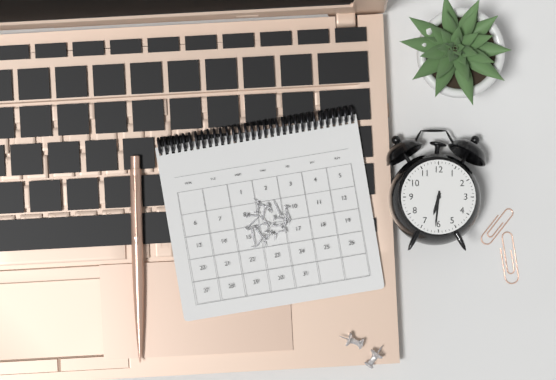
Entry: h=6 m=31
